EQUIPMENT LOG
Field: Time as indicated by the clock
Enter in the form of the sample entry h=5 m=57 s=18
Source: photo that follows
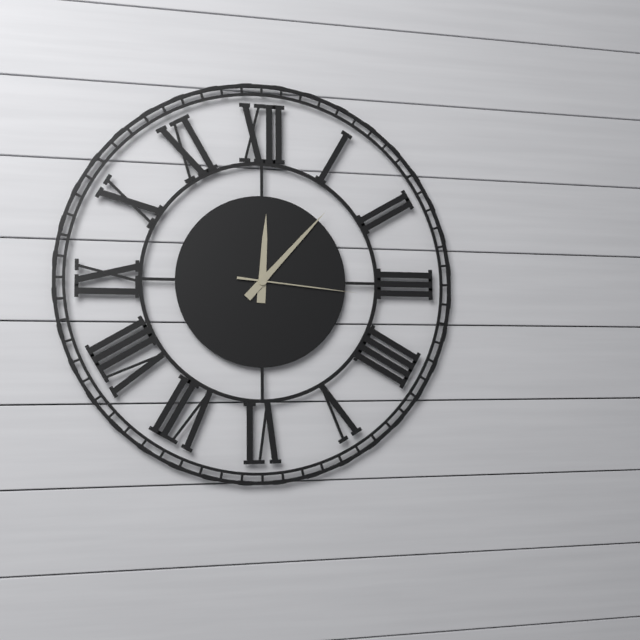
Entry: h=12 m=7 s=16
